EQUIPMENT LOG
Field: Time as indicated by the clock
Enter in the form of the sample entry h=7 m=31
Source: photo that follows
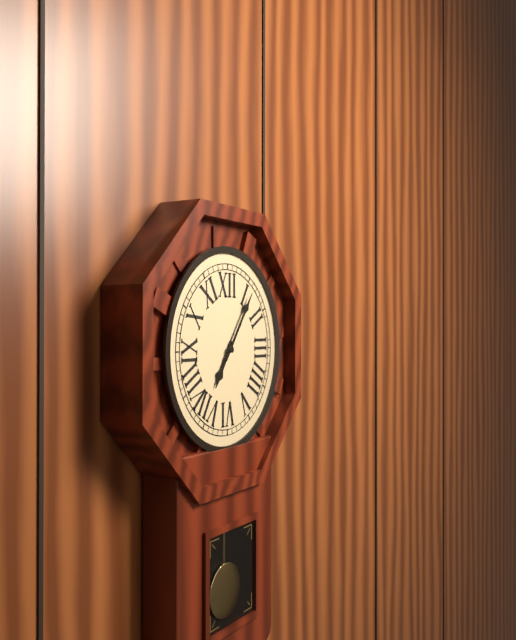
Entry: h=7 m=6
